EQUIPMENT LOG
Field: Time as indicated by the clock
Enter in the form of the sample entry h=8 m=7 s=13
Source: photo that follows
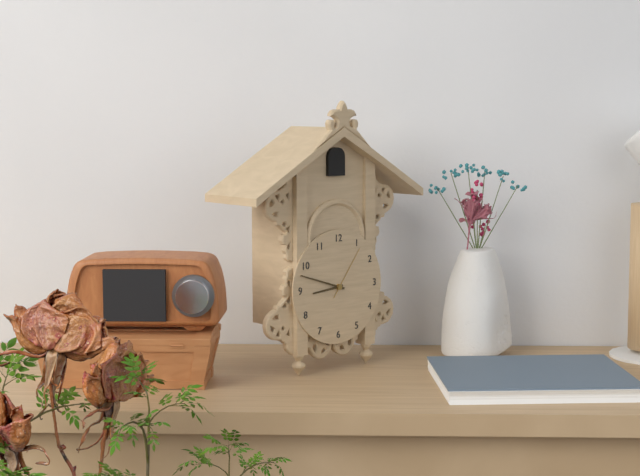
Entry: h=8 m=48 s=6
